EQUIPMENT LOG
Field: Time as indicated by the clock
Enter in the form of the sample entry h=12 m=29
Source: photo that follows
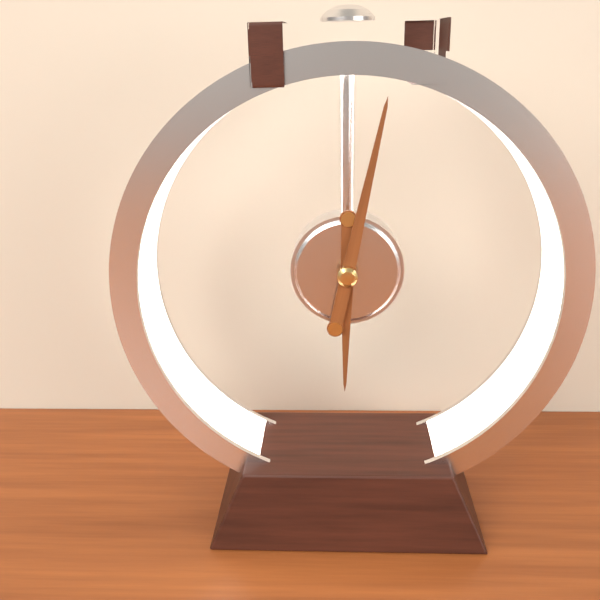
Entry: h=6 m=2
